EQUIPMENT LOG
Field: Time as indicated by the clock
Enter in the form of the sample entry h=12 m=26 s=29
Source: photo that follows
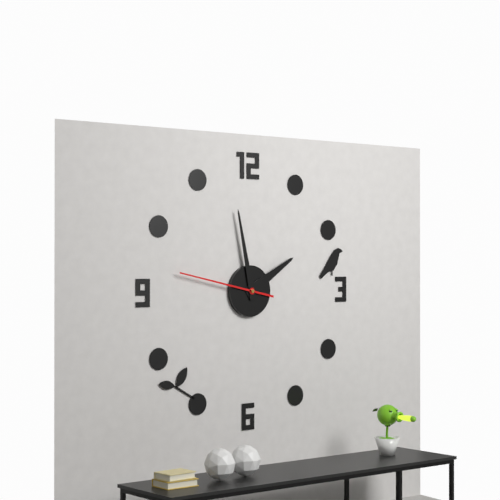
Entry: h=1 m=58 s=47
